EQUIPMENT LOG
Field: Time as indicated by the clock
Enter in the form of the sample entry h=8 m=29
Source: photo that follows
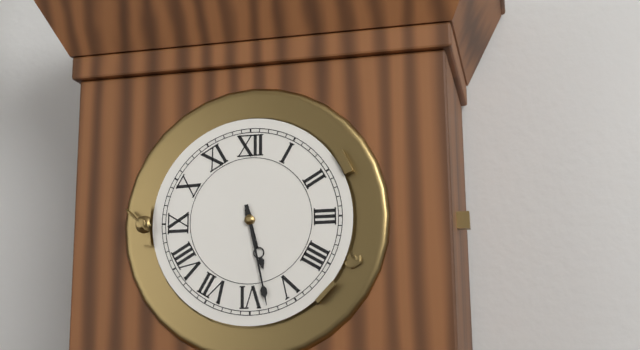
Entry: h=5 m=28
